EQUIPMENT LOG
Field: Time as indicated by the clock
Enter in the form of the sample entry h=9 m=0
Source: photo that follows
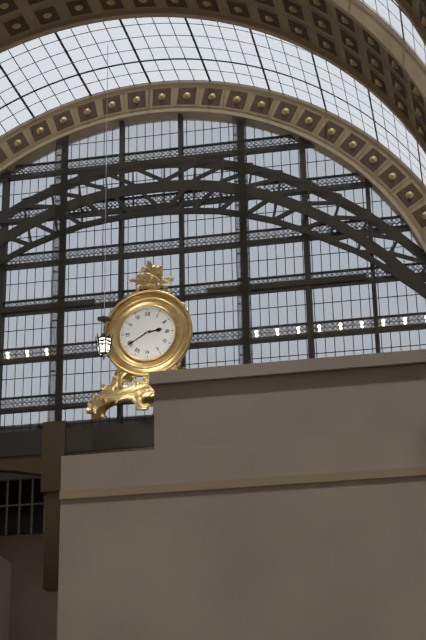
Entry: h=2 m=40
